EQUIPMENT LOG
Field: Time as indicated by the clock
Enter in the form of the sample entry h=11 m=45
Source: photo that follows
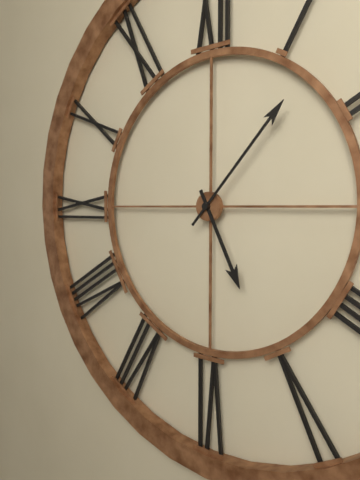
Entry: h=5 m=7
